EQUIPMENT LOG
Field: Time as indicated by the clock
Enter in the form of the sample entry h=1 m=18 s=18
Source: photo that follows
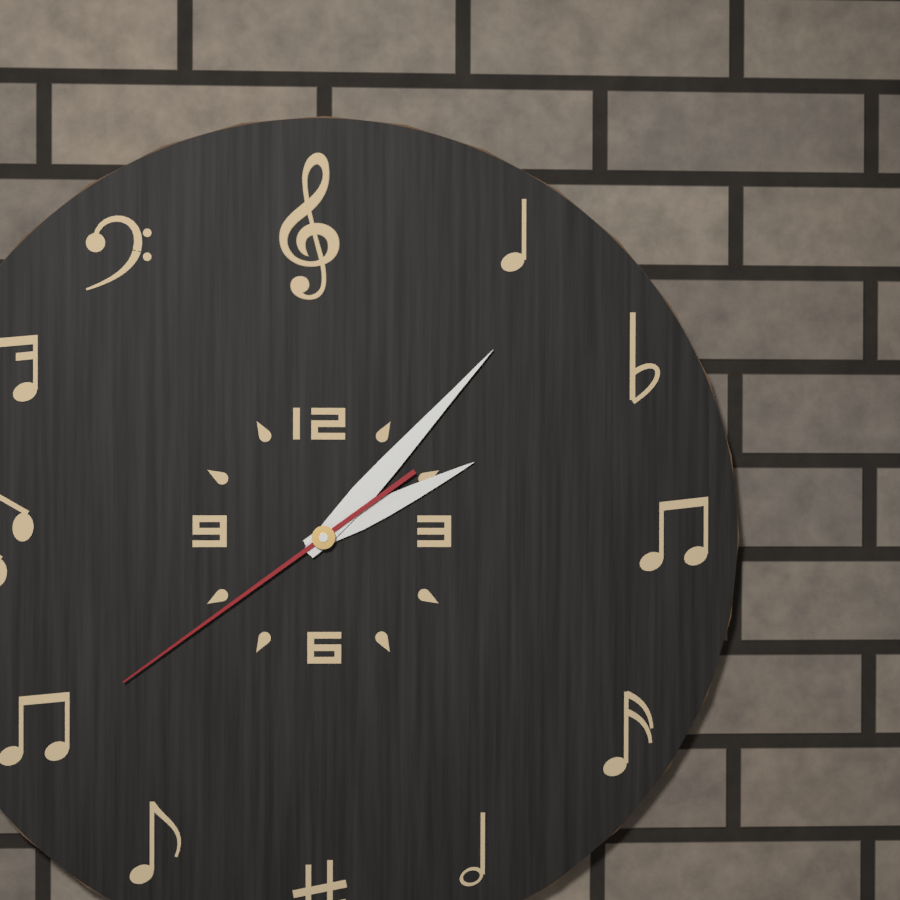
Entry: h=2 m=7 s=39
